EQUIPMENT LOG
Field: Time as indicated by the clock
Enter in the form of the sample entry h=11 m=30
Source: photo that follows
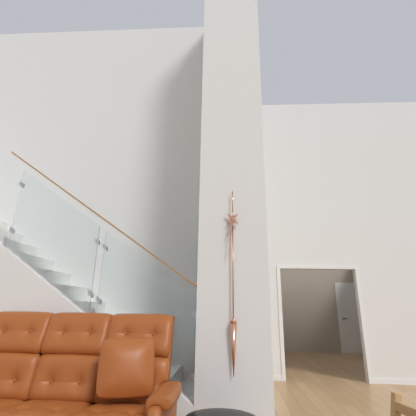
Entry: h=6 m=31
